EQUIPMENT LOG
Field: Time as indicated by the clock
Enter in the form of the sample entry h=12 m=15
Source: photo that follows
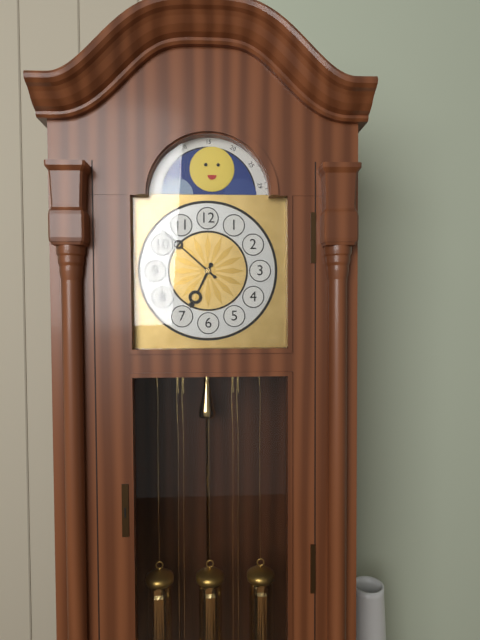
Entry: h=6 m=52
